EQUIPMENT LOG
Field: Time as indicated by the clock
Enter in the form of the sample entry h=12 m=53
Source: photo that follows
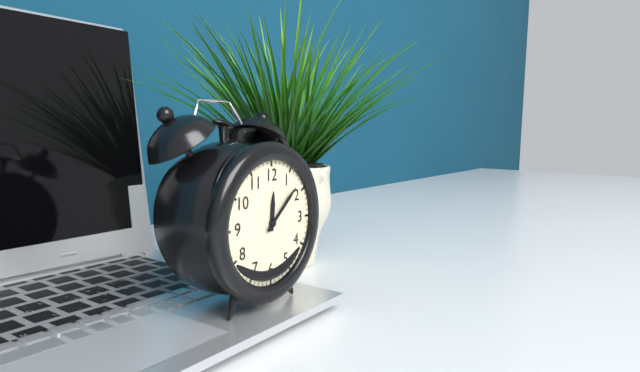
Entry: h=12 m=8
